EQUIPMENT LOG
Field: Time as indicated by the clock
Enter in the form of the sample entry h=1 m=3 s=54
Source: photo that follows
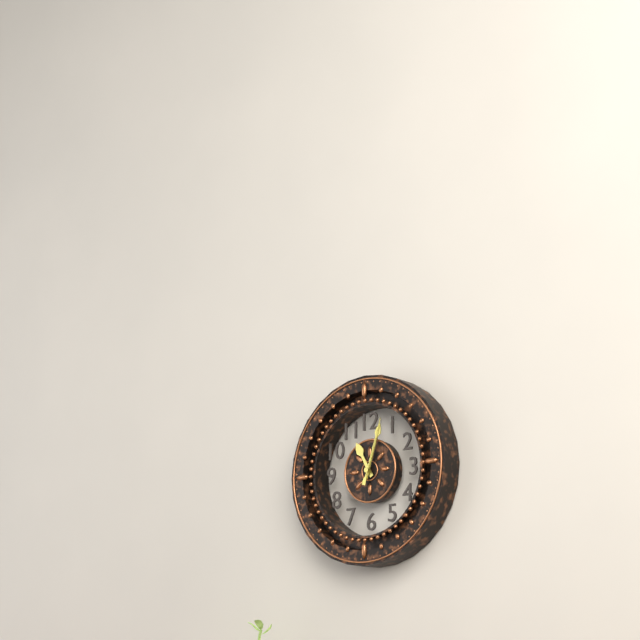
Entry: h=11 m=3 s=3
